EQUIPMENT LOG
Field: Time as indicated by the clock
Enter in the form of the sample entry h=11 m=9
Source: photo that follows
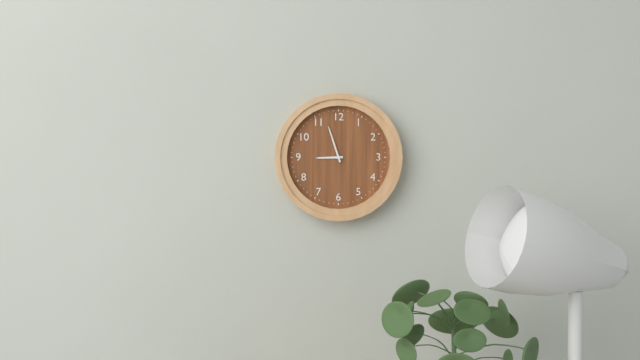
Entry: h=8 m=57
